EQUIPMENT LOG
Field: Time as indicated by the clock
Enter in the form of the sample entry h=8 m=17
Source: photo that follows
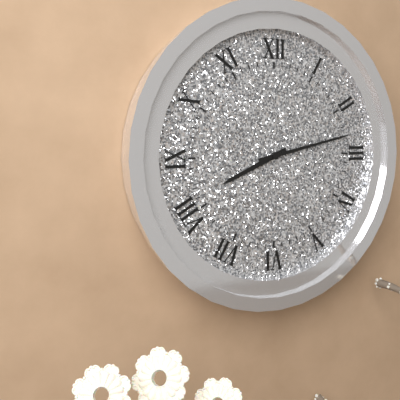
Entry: h=8 m=13
